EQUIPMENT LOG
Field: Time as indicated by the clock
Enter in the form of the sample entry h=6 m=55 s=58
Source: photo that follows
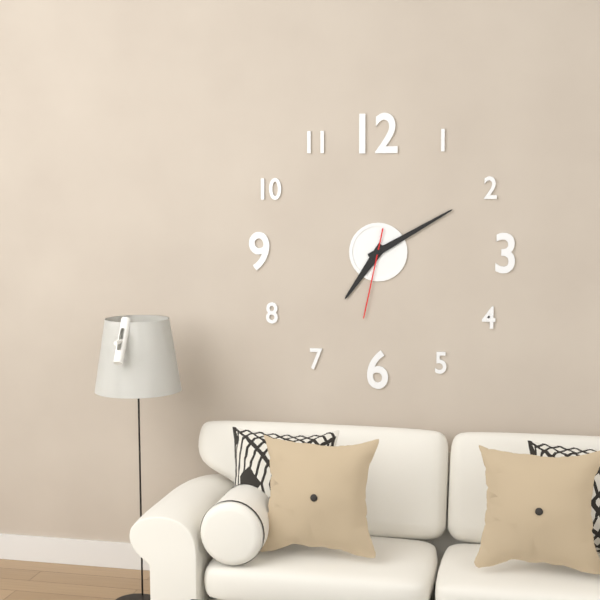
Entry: h=7 m=10 s=32
